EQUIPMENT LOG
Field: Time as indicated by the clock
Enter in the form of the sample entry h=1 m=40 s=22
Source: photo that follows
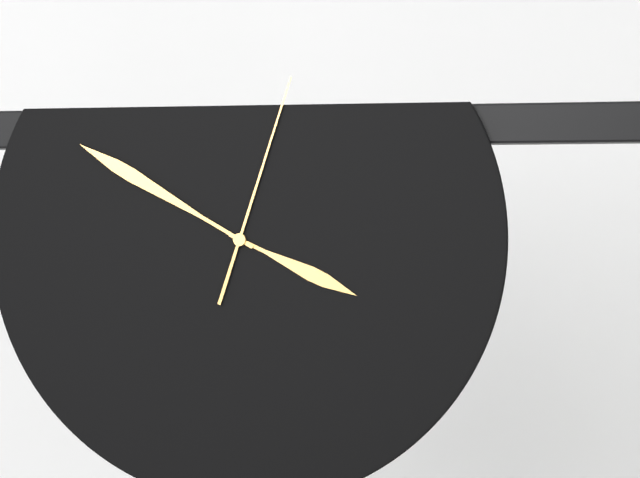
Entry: h=3 m=50 s=3
